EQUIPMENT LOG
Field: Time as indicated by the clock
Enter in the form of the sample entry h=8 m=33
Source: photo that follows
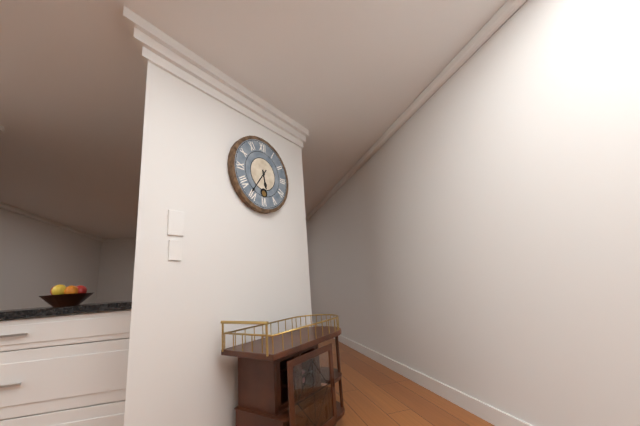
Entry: h=5 m=36
